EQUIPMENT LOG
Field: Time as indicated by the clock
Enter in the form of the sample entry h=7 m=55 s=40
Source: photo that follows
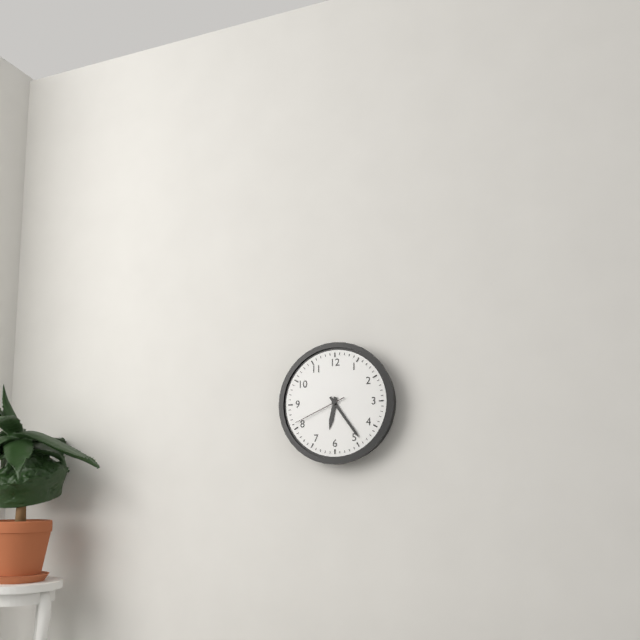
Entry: h=6 m=24 s=41
